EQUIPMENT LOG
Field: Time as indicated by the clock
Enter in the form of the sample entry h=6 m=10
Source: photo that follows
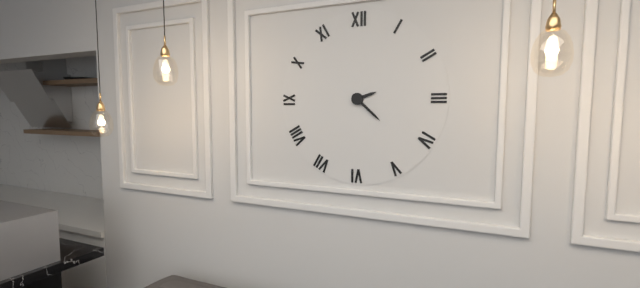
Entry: h=2 m=22
